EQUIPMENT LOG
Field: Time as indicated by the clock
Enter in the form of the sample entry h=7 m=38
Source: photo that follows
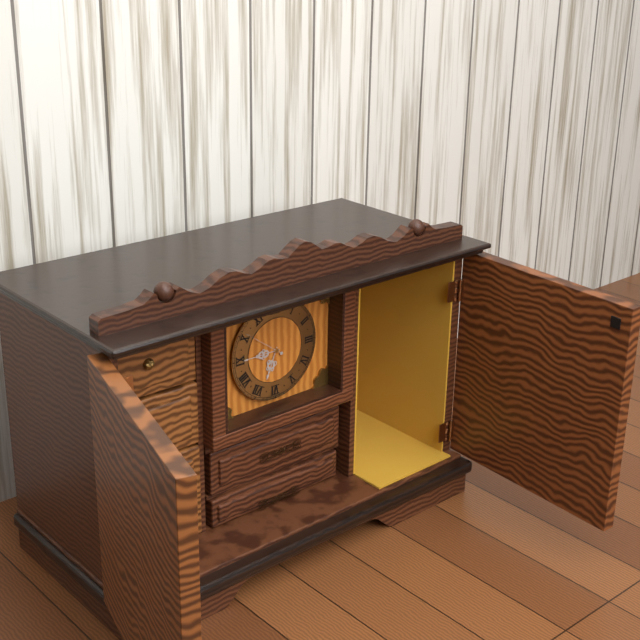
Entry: h=6 m=45
